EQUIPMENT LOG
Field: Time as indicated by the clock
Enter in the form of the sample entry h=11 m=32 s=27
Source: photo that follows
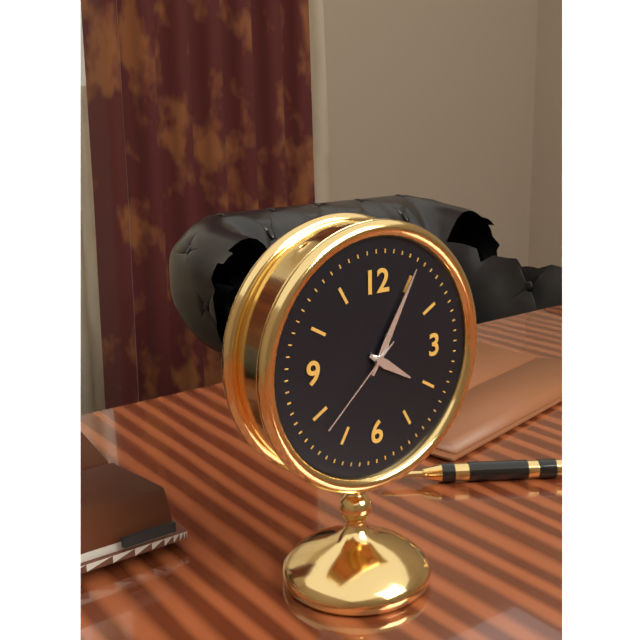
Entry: h=4 m=5 s=38
